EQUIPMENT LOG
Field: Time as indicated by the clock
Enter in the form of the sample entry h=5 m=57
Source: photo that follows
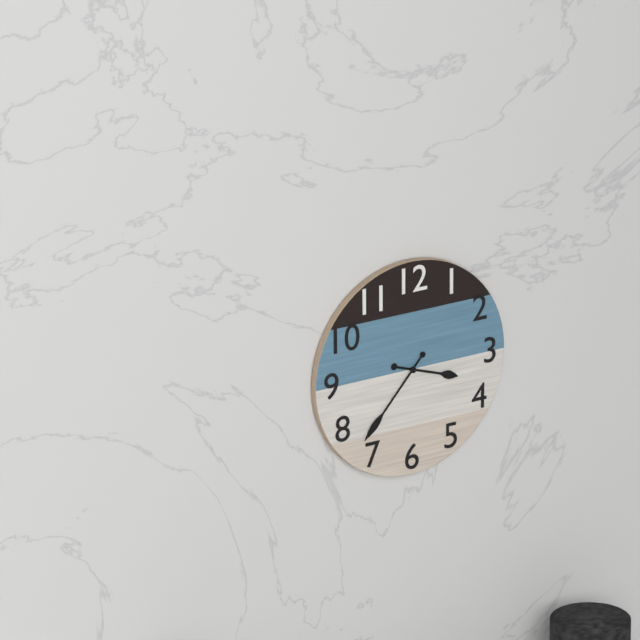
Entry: h=3 m=37
